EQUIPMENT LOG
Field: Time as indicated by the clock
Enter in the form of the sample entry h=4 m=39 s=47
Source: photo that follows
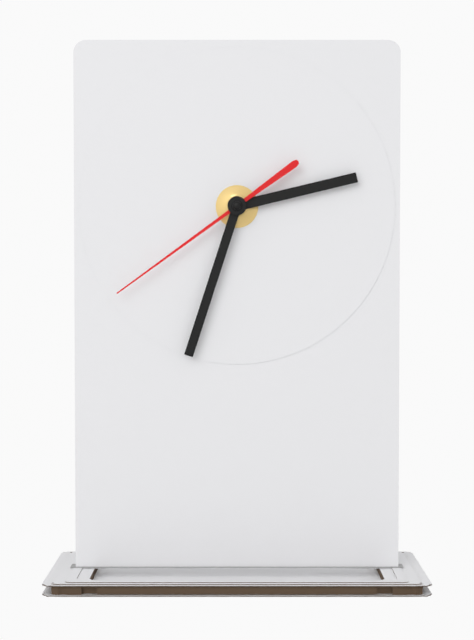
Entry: h=2 m=33 s=39
